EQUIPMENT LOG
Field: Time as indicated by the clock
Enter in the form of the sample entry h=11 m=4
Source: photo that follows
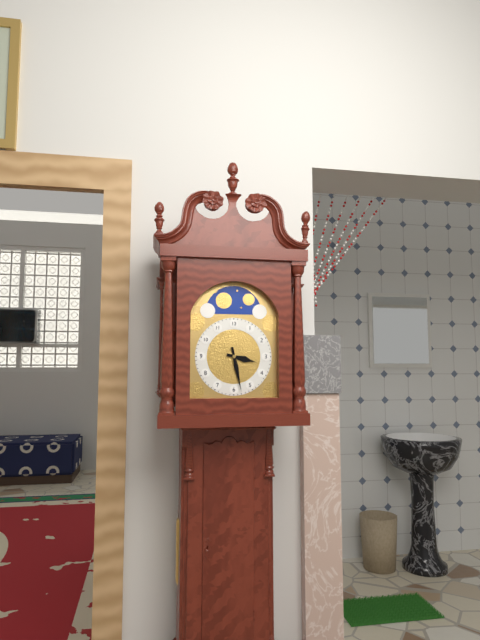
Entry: h=3 m=28
